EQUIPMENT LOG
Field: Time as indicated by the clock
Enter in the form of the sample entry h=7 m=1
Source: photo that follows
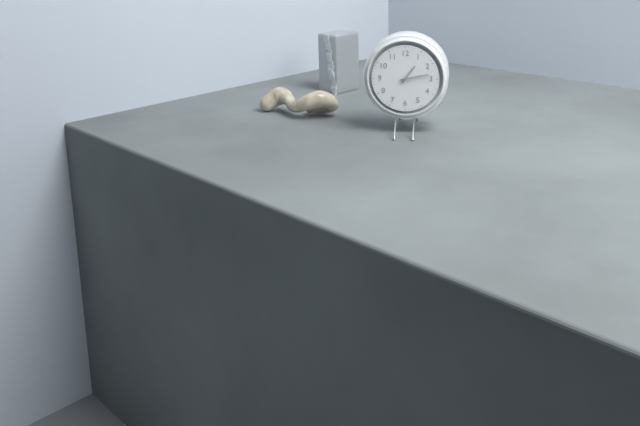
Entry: h=1 m=13
